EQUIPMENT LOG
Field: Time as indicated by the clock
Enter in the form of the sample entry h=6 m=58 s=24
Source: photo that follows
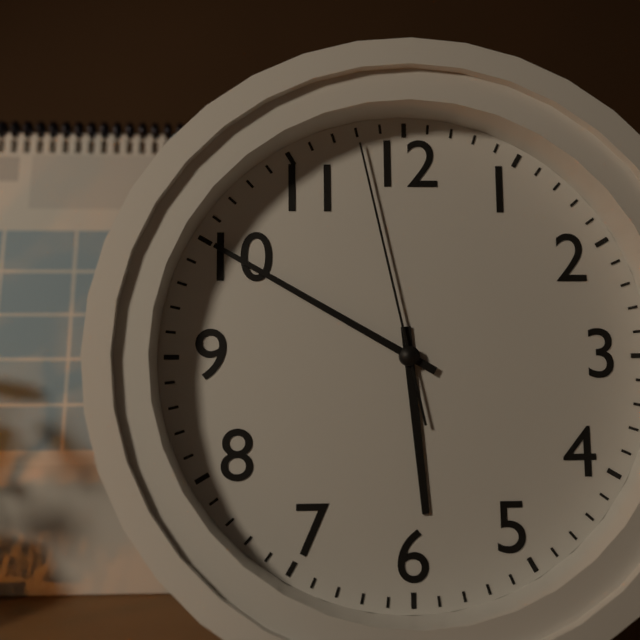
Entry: h=5 m=50 s=58
